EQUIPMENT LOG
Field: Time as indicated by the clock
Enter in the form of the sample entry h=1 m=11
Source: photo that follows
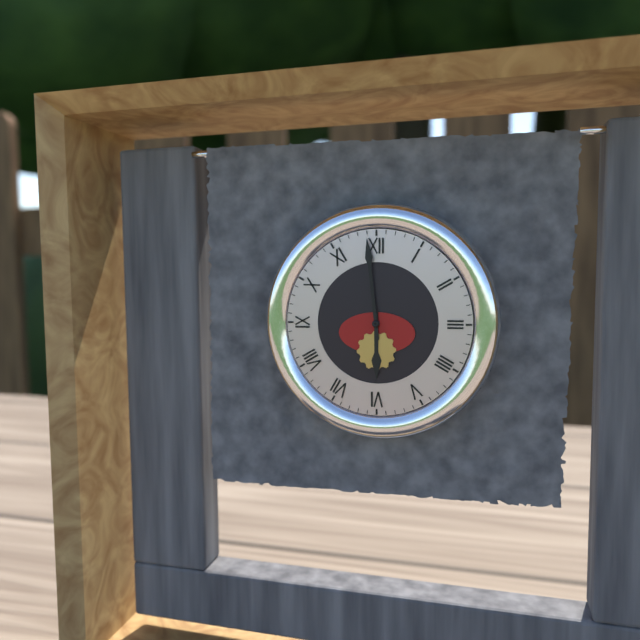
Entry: h=5 m=59
